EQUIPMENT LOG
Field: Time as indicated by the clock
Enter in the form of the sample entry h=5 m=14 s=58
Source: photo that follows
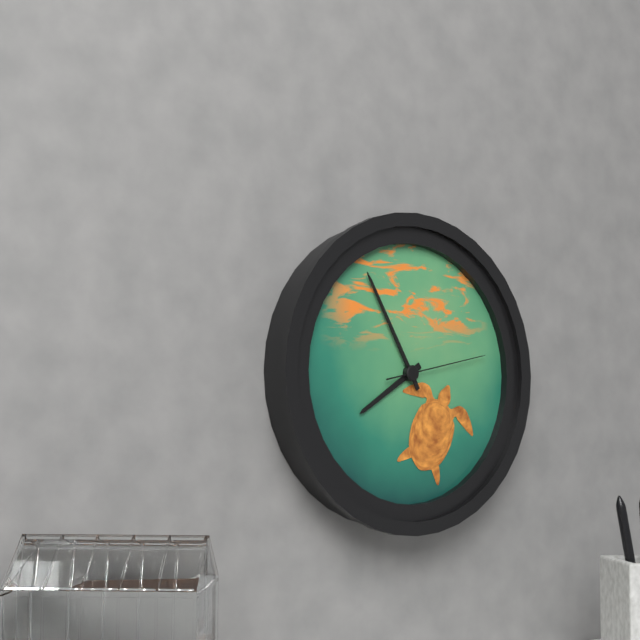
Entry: h=7 m=55 s=13
